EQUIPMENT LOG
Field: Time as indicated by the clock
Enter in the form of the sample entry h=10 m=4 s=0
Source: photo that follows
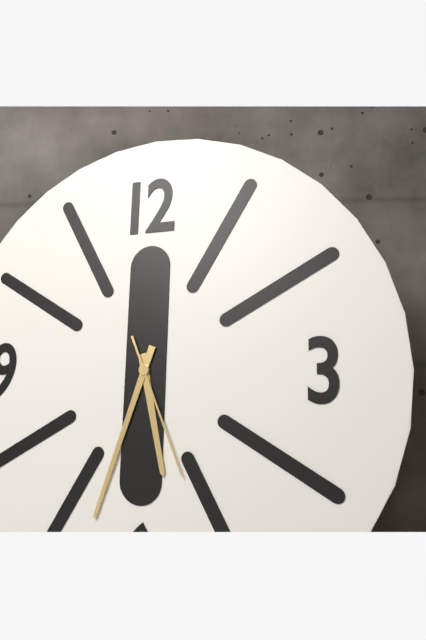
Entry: h=5 m=33 s=26
